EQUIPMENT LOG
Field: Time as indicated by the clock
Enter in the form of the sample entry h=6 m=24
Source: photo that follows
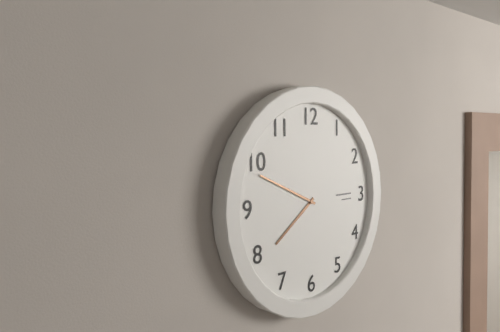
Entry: h=7 m=49
